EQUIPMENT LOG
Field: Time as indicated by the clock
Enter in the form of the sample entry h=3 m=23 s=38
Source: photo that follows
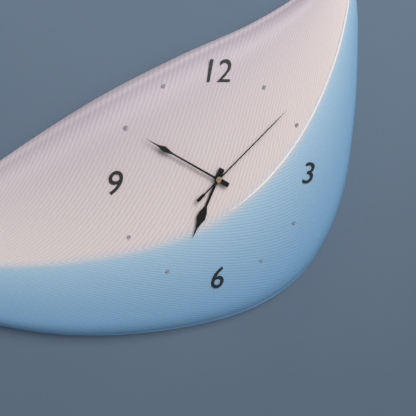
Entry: h=6 m=50 s=8
